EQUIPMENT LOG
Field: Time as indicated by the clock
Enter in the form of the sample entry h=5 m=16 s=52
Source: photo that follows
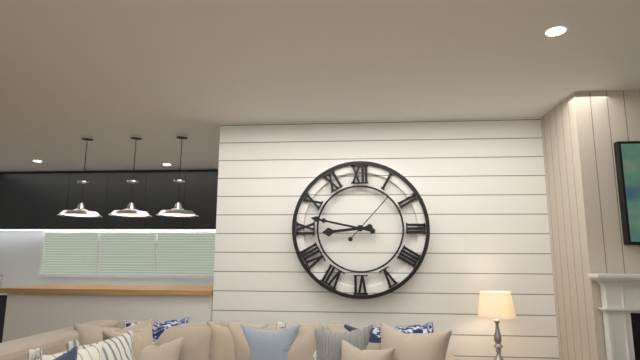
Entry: h=8 m=47 s=7
